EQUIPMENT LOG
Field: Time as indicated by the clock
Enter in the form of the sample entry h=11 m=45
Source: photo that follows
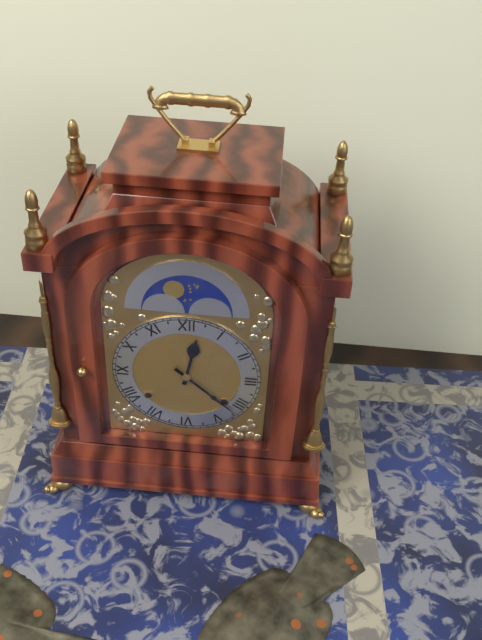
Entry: h=12 m=22
